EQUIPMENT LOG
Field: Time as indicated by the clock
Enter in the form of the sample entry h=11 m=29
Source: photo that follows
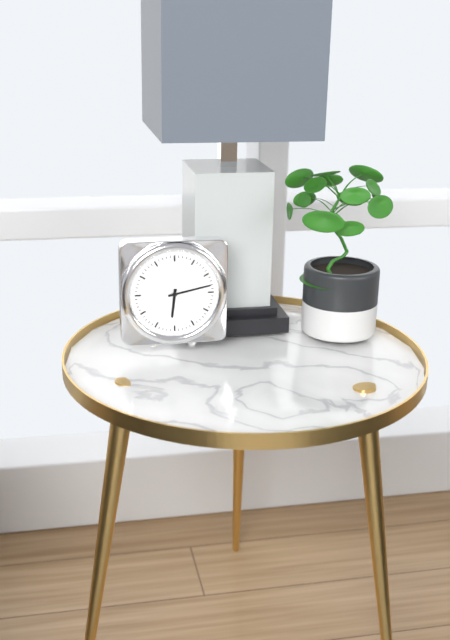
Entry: h=6 m=13
